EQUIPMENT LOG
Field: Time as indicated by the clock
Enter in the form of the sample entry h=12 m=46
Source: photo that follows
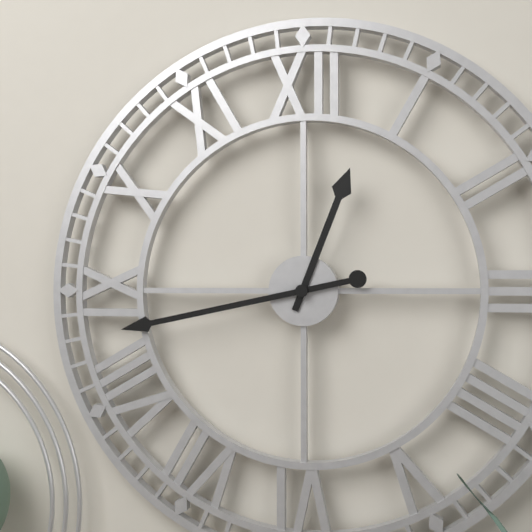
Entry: h=12 m=43
